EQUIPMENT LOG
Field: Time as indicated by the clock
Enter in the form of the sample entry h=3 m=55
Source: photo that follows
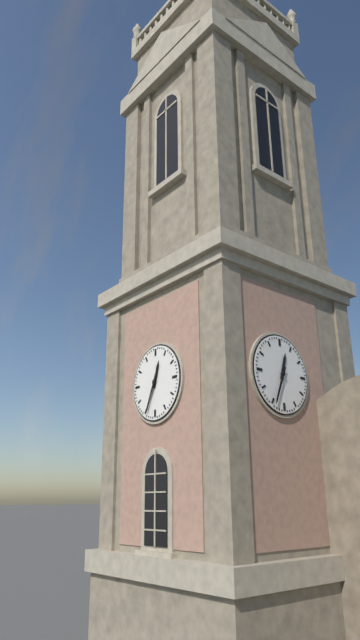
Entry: h=12 m=34
